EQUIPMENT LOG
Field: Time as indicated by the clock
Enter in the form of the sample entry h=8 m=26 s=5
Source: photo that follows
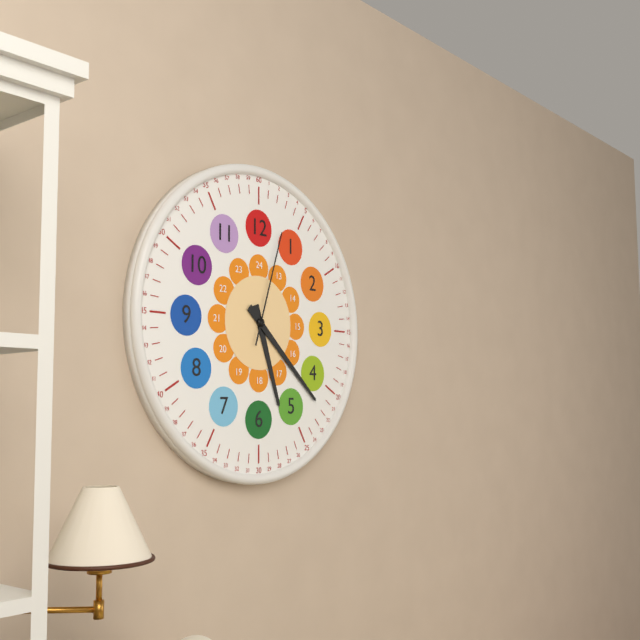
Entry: h=5 m=22 s=3
